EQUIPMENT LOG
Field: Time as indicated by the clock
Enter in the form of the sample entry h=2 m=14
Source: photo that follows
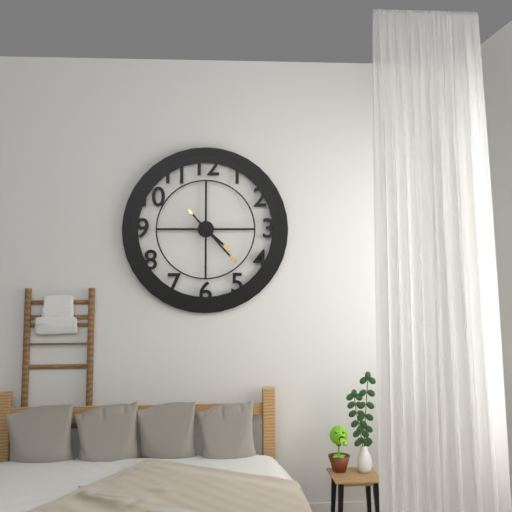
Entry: h=4 m=23
